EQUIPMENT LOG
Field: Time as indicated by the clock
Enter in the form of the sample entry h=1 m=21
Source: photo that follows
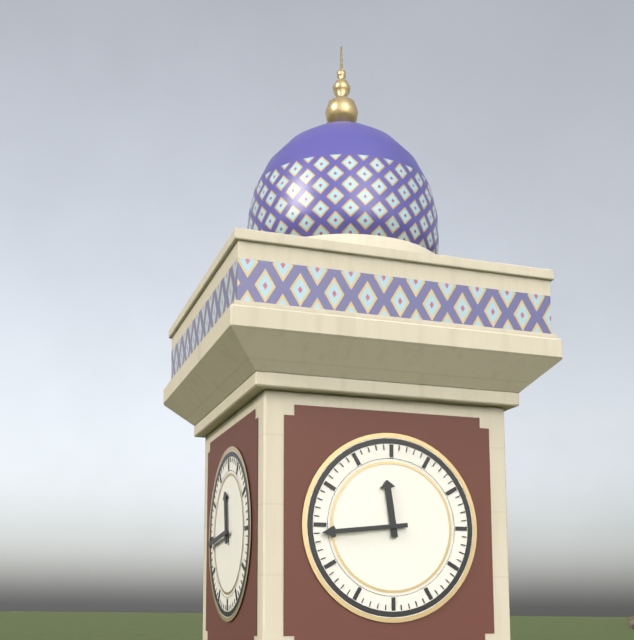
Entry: h=11 m=44
